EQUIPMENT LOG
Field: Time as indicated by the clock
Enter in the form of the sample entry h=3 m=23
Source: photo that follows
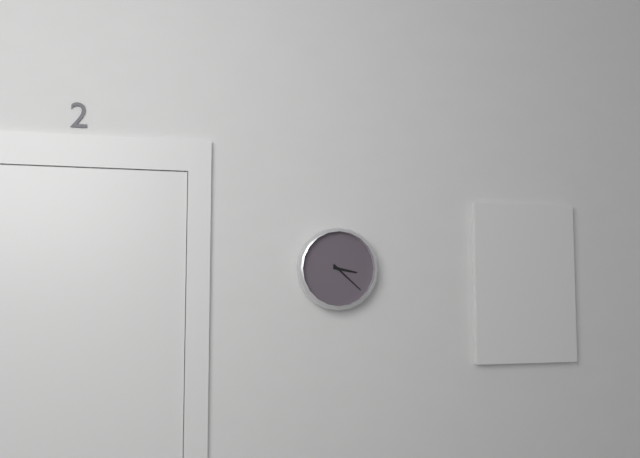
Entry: h=3 m=22
